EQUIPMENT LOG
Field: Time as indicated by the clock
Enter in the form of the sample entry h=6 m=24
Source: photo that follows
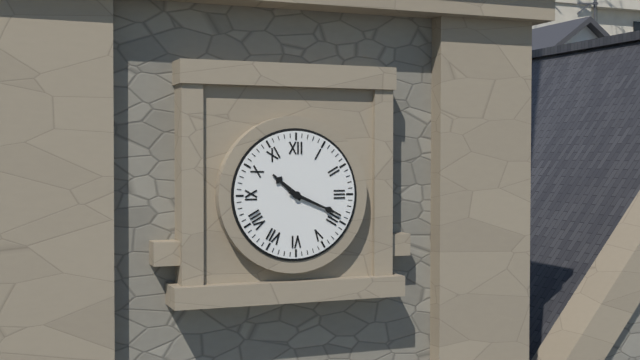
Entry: h=10 m=19
